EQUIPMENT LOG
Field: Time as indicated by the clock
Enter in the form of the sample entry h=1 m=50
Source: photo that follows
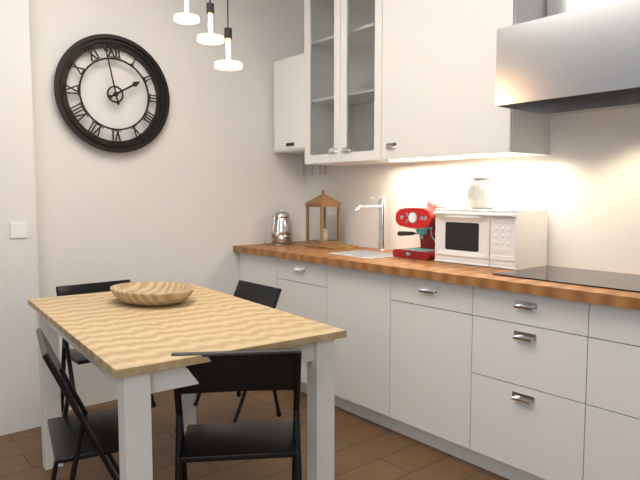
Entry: h=1 m=58
